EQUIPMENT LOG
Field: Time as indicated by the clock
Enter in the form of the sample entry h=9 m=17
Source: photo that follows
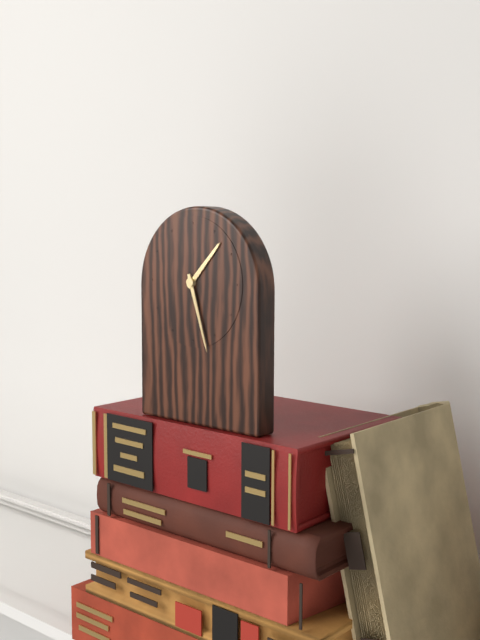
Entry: h=1 m=27
